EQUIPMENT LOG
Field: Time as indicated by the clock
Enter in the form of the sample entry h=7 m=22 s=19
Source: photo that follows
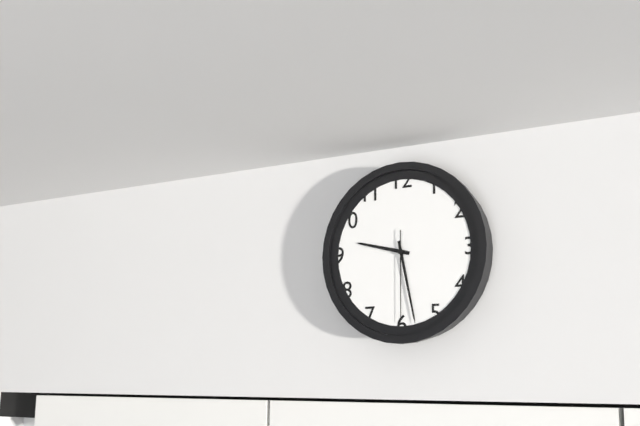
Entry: h=9 m=28 s=30
